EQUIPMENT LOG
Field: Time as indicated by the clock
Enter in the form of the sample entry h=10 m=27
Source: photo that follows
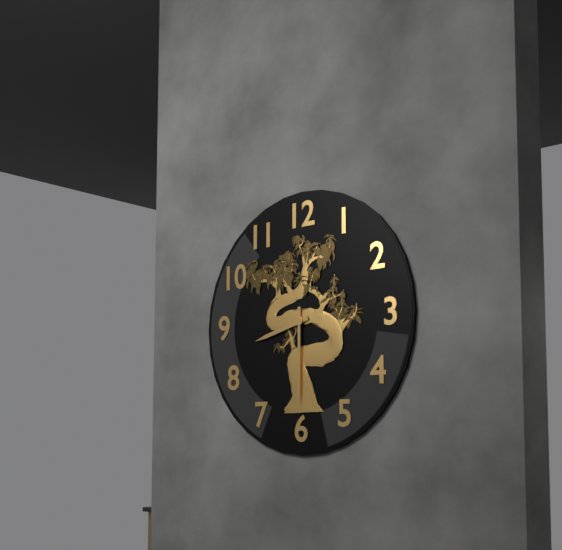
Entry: h=8 m=30
